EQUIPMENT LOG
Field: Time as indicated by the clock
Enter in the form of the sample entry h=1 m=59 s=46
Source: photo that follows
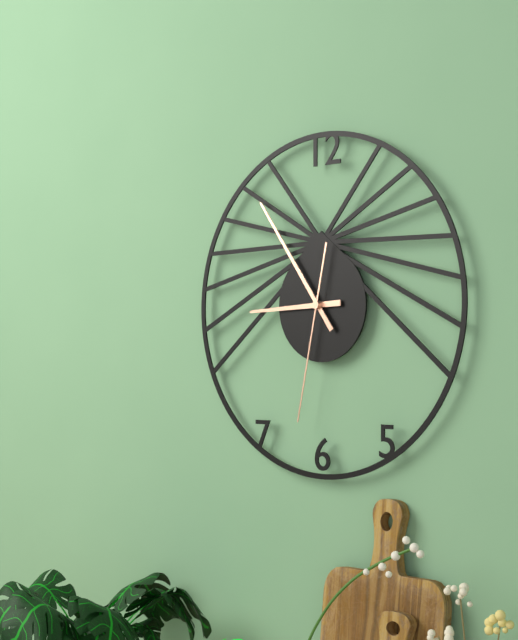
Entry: h=8 m=54 s=32
